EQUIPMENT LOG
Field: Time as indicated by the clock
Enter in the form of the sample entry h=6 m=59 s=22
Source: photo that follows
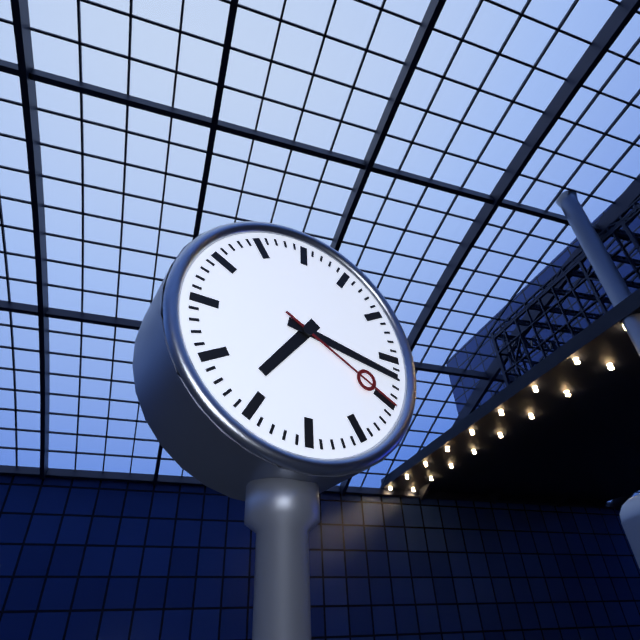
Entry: h=7 m=17 s=20
